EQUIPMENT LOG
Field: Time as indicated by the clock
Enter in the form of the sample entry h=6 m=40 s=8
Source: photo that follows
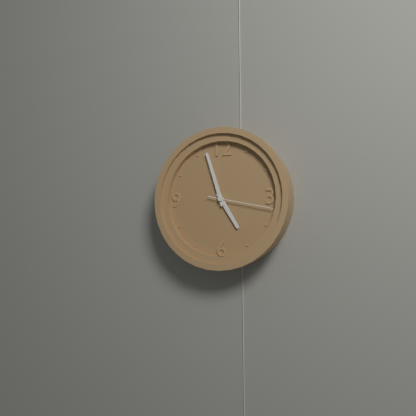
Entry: h=4 m=57 s=17
